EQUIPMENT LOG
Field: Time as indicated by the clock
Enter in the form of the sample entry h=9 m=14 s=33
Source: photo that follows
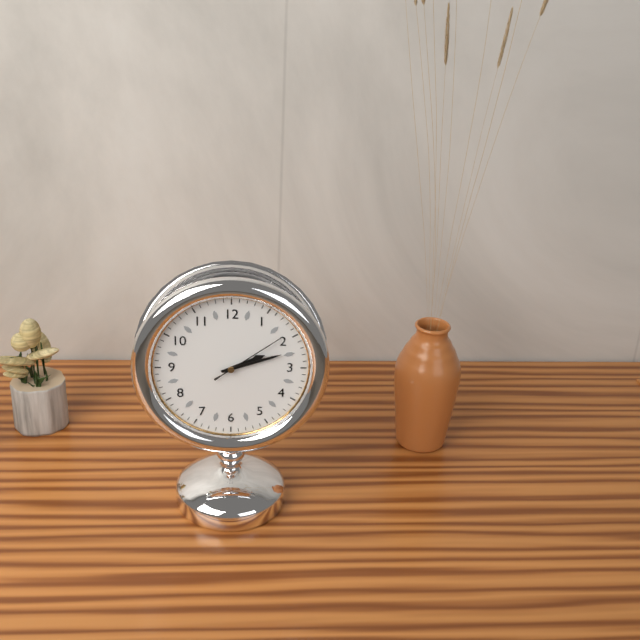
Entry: h=2 m=12 s=9
